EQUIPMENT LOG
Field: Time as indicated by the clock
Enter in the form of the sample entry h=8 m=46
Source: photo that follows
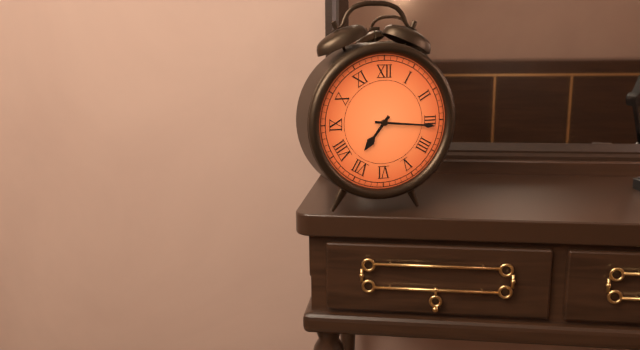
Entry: h=7 m=16
